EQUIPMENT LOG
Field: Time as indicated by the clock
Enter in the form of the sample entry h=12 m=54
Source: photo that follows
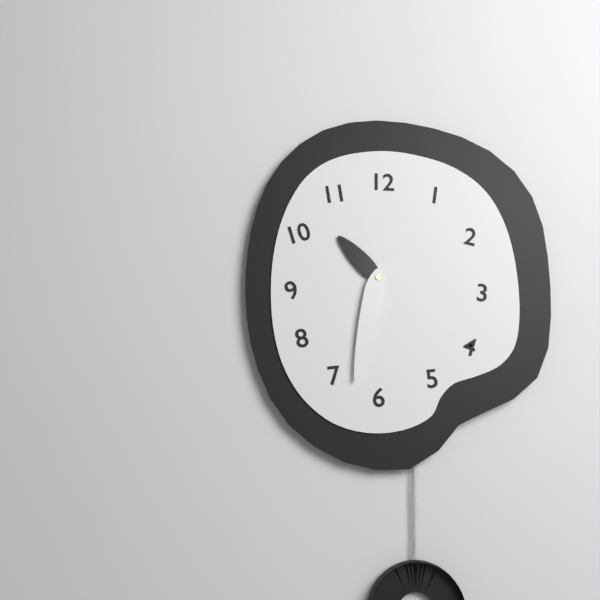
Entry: h=10 m=32
